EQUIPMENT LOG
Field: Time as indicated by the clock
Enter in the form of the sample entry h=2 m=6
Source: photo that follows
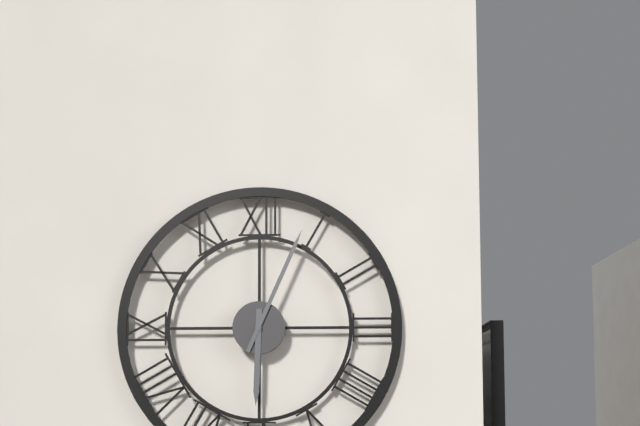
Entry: h=6 m=4
